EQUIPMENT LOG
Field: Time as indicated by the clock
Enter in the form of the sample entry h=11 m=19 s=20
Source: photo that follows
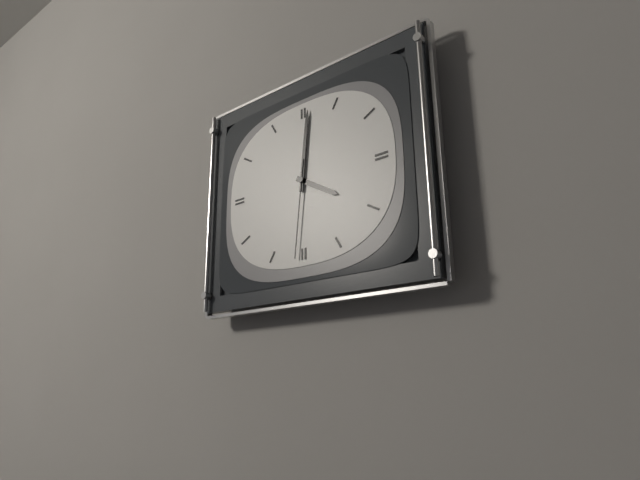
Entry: h=4 m=1 s=31
